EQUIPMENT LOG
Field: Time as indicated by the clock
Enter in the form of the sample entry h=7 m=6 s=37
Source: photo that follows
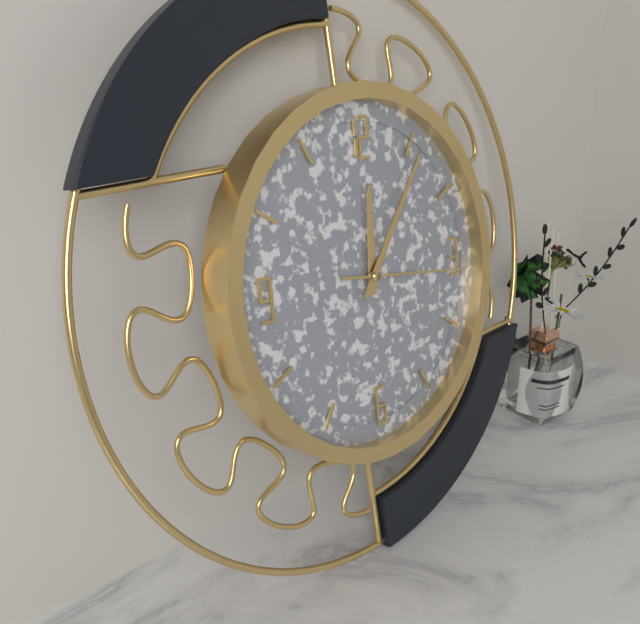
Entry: h=12 m=6 s=16
